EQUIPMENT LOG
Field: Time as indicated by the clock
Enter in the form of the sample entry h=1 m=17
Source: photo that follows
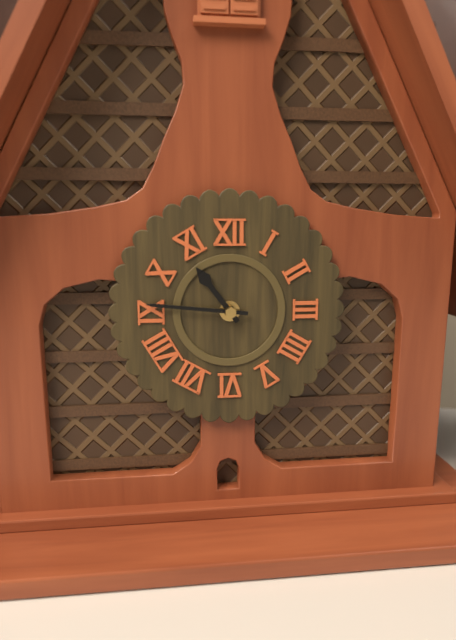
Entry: h=10 m=46
